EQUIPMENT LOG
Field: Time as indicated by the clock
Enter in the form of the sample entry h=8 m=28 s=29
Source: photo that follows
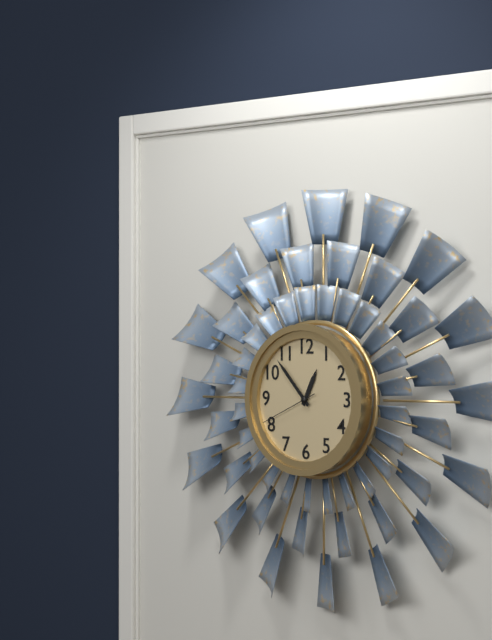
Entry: h=12 m=53 s=41
